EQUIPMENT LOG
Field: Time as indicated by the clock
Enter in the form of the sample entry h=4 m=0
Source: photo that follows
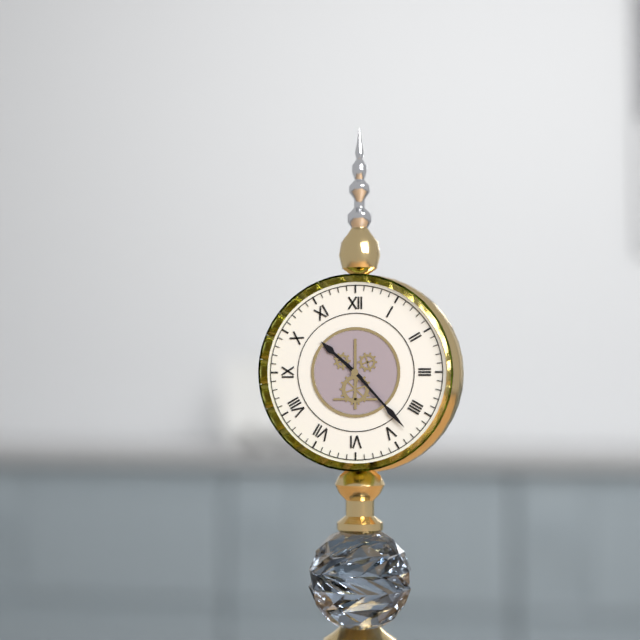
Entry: h=10 m=23
